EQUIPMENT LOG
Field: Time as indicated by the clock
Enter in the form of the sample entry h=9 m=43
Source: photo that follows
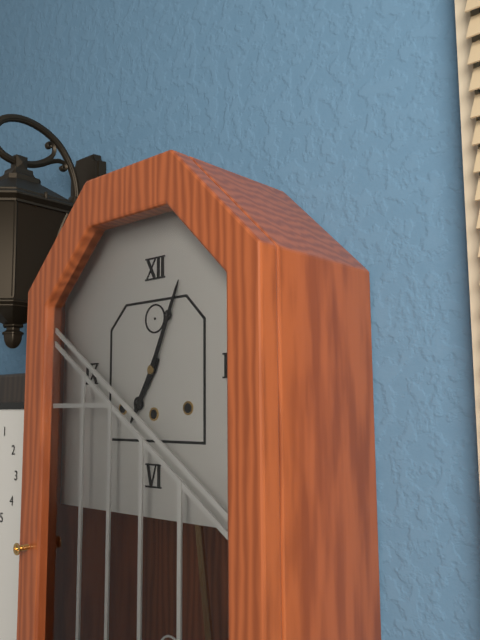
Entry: h=7 m=4
